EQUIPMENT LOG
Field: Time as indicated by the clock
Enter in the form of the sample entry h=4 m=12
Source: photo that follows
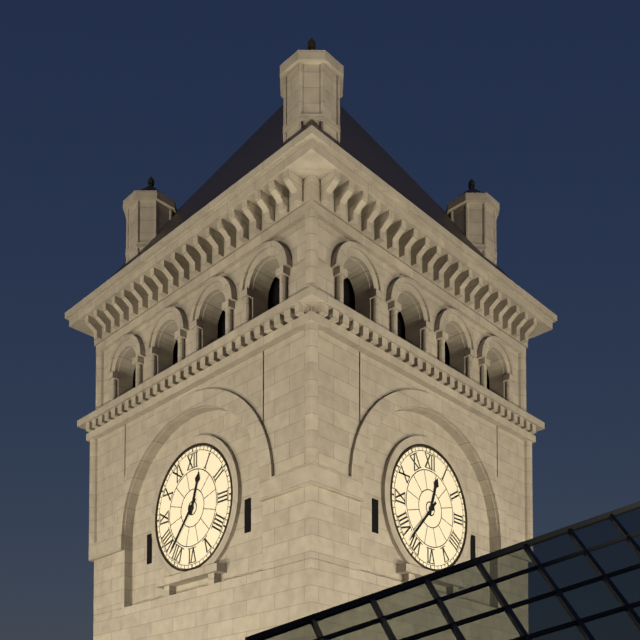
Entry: h=12 m=37
